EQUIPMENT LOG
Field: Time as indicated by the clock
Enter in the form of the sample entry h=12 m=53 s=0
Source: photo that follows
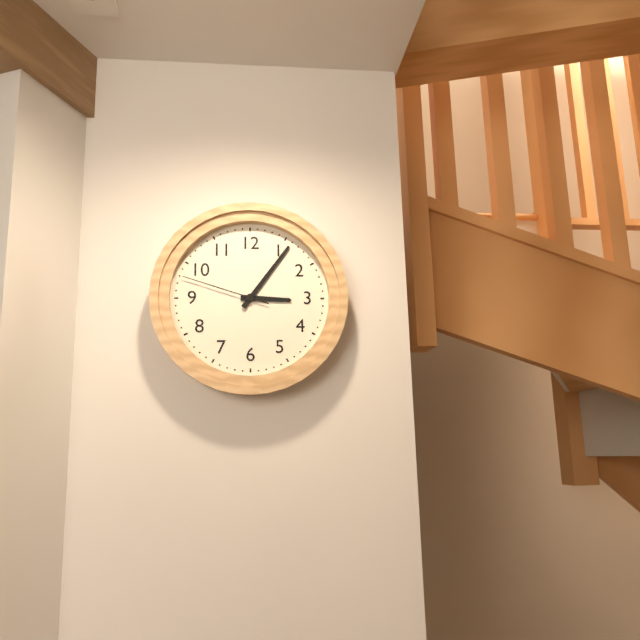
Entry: h=3 m=6 s=48
